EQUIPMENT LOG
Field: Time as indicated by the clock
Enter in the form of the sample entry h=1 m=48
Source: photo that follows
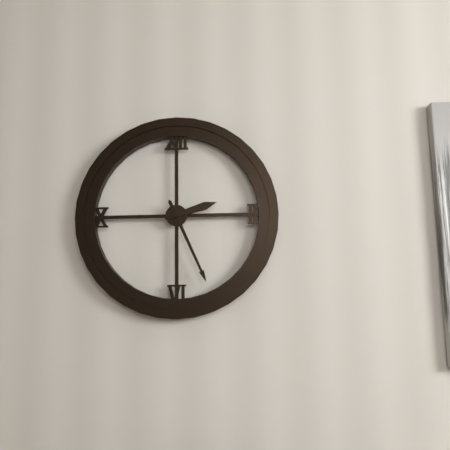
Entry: h=2 m=26
